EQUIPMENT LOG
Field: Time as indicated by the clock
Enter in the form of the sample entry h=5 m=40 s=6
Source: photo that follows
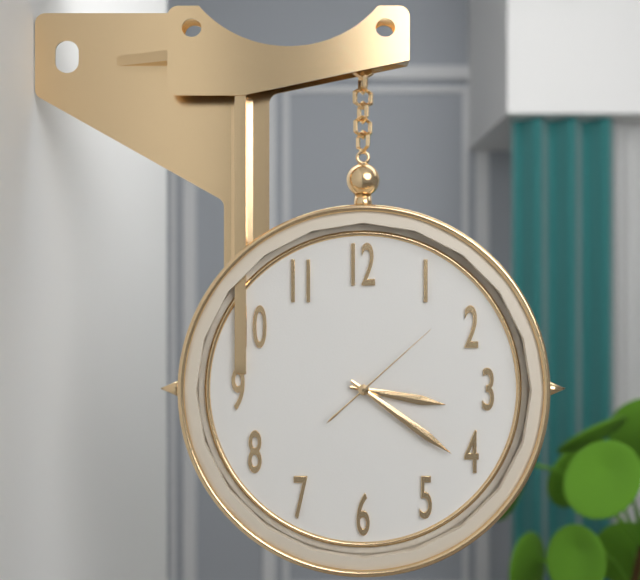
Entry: h=3 m=21 s=8
